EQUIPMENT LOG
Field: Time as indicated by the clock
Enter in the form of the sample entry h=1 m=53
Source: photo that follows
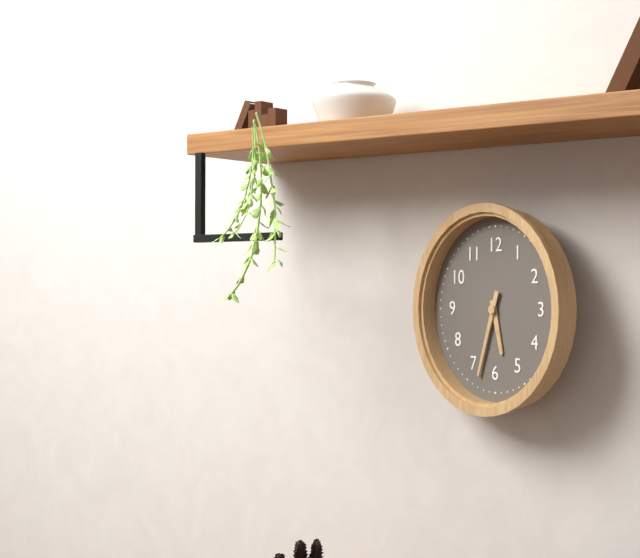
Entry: h=5 m=33
